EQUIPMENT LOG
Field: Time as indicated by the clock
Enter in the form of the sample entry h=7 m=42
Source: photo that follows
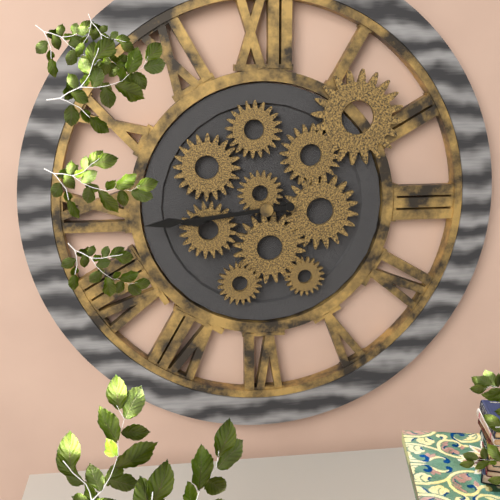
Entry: h=8 m=44
